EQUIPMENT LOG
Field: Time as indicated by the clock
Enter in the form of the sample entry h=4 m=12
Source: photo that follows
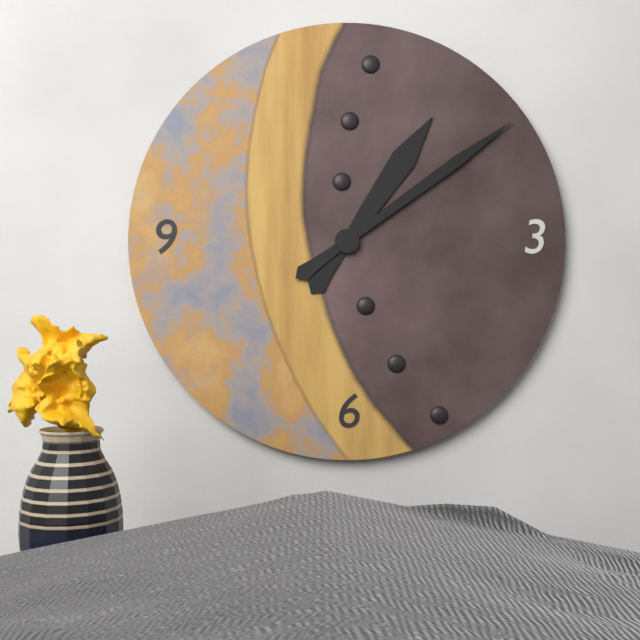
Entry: h=1 m=9
